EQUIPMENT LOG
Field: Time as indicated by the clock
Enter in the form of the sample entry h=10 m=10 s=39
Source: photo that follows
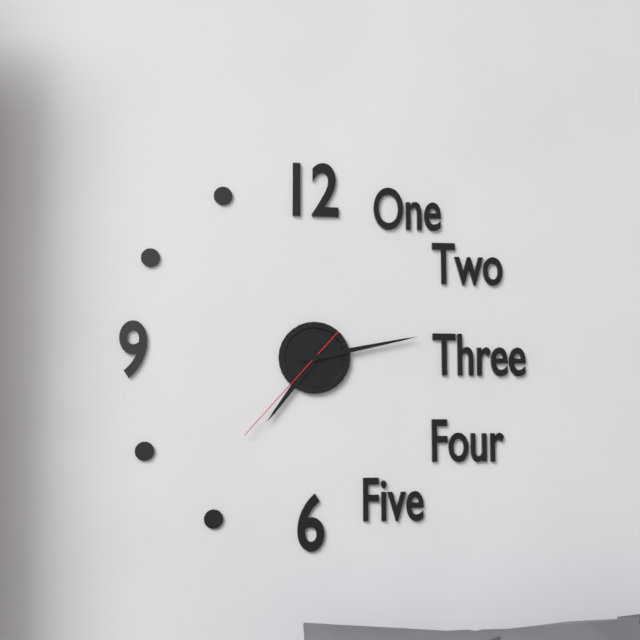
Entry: h=7 m=13 s=37
